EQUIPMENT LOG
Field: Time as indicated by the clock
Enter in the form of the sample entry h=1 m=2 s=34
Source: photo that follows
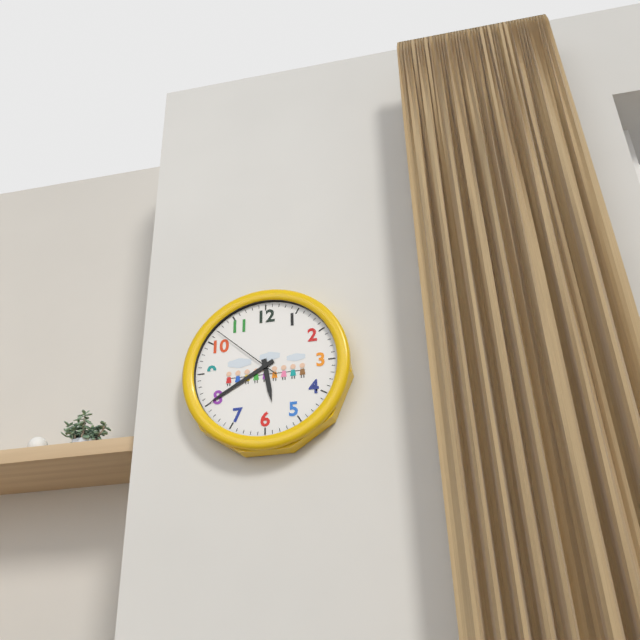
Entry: h=5 m=40 s=52
